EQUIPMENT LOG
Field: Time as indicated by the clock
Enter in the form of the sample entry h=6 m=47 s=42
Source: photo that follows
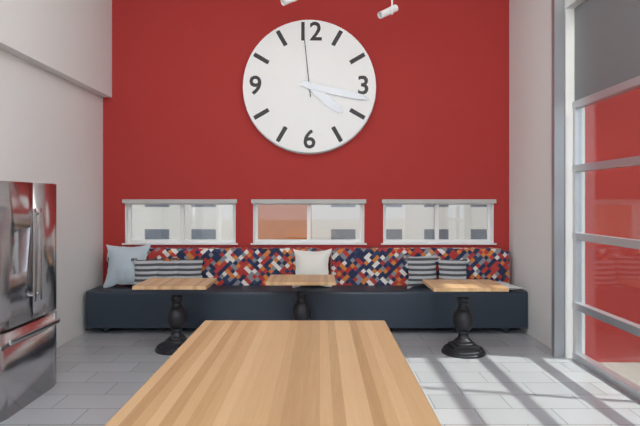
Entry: h=4 m=17 s=59
